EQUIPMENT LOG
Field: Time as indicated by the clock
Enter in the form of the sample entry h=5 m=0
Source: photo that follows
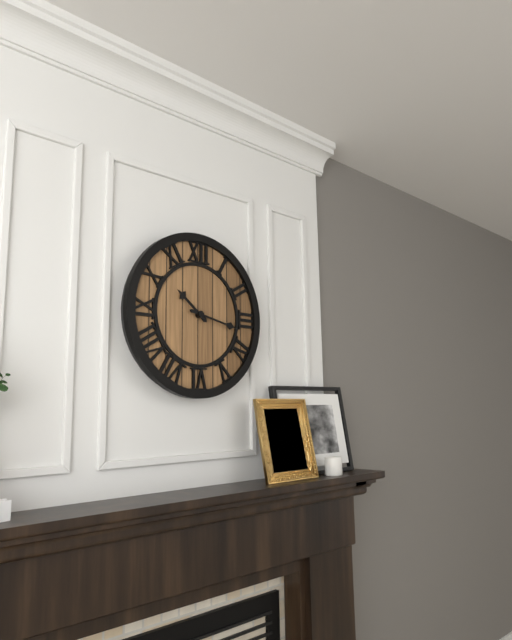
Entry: h=10 m=17
